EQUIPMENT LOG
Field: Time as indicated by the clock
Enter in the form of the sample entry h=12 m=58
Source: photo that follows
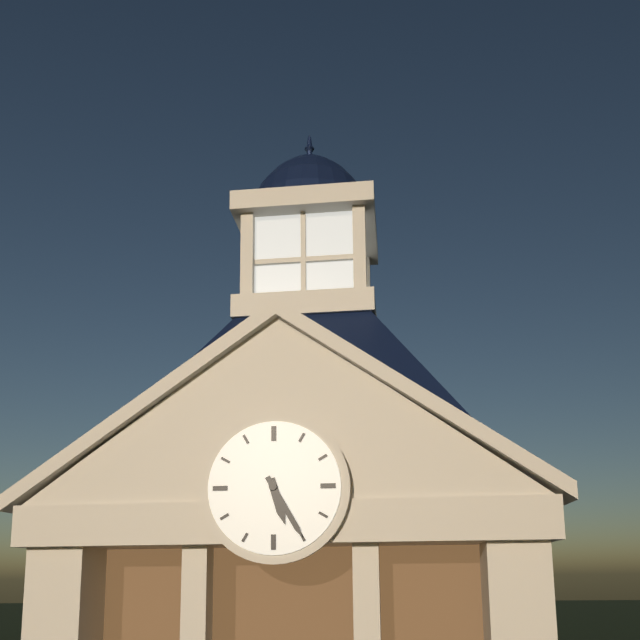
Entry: h=5 m=25
